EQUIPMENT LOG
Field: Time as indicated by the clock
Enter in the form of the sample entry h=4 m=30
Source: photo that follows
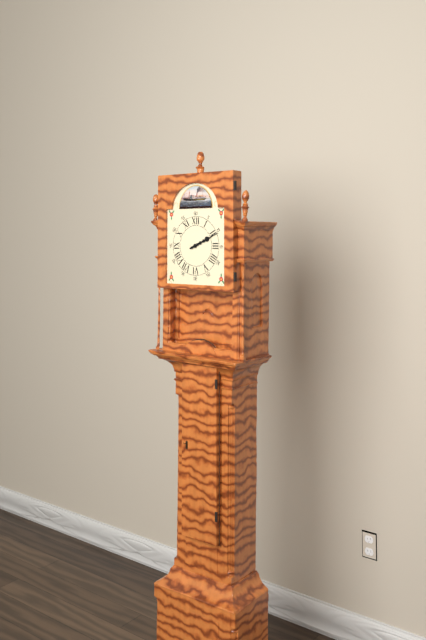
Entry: h=2 m=11
